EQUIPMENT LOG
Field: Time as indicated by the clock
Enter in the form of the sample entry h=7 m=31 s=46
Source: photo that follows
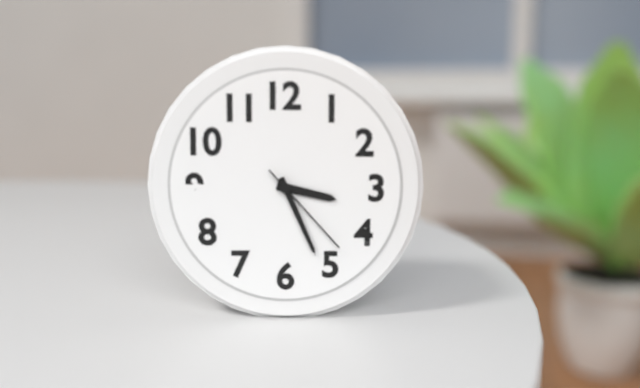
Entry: h=3 m=26 s=23
